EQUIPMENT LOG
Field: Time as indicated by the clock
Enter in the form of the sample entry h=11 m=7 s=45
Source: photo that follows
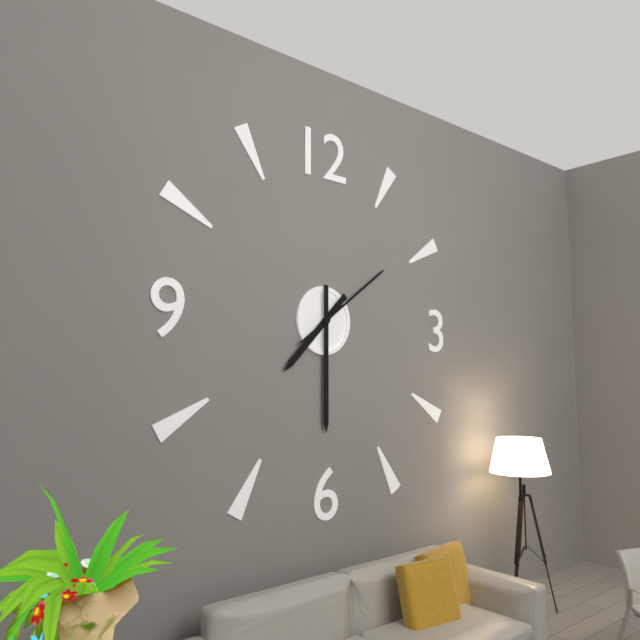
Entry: h=7 m=30 s=9
